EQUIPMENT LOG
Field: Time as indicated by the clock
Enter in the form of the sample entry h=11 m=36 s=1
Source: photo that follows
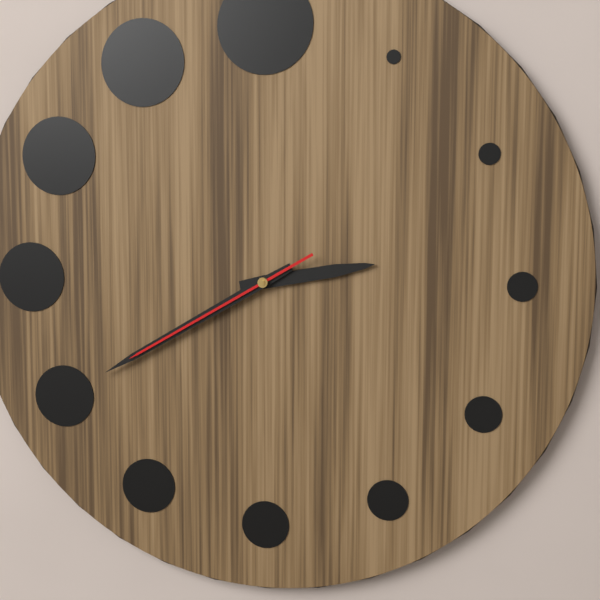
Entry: h=2 m=40 s=40
